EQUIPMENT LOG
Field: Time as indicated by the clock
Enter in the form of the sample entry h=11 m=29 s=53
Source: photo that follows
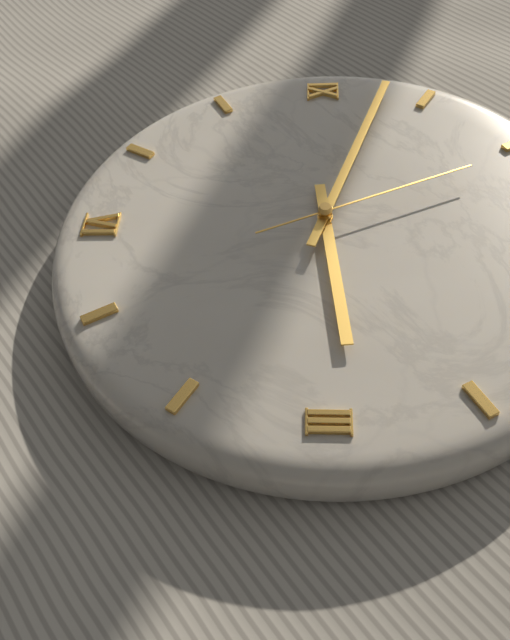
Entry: h=2 m=48 s=56
